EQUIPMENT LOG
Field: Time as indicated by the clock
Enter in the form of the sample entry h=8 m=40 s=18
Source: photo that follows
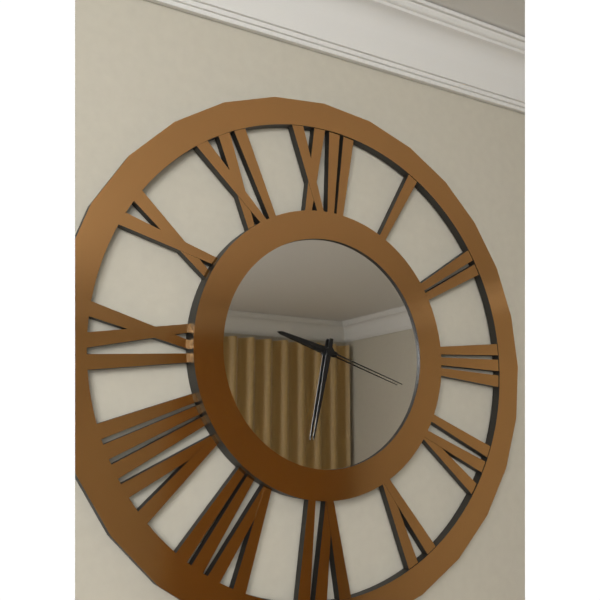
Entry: h=9 m=32 s=18
